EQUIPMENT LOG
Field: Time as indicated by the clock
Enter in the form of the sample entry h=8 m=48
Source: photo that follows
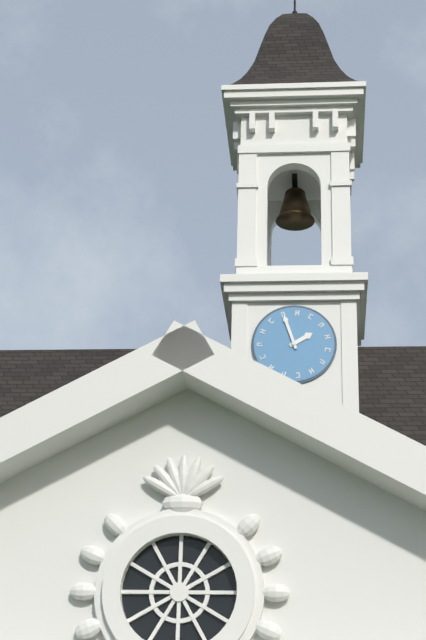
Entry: h=1 m=57
